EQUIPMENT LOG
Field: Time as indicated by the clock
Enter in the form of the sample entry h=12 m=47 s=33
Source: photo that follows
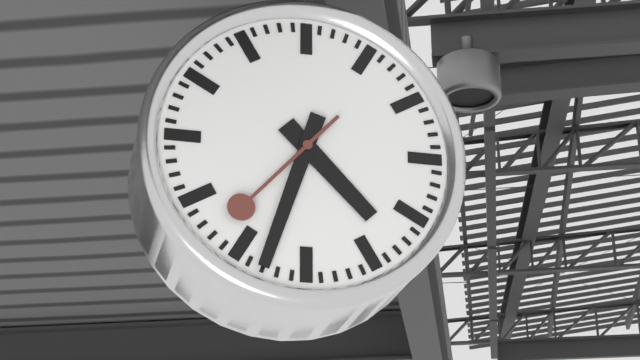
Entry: h=4 m=33 s=37
